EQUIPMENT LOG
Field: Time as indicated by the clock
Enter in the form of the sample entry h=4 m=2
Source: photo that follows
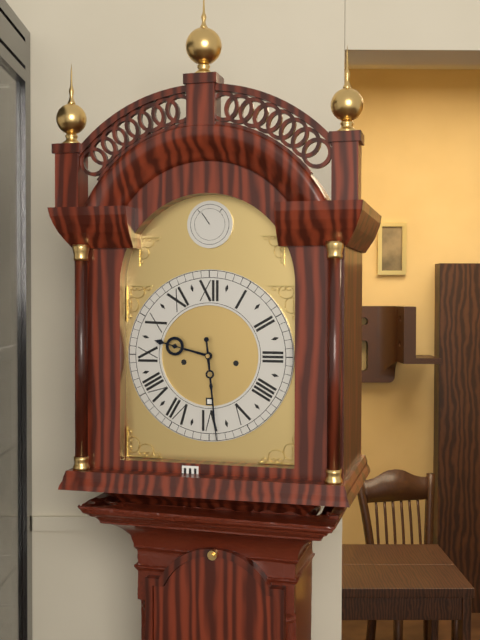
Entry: h=9 m=29
